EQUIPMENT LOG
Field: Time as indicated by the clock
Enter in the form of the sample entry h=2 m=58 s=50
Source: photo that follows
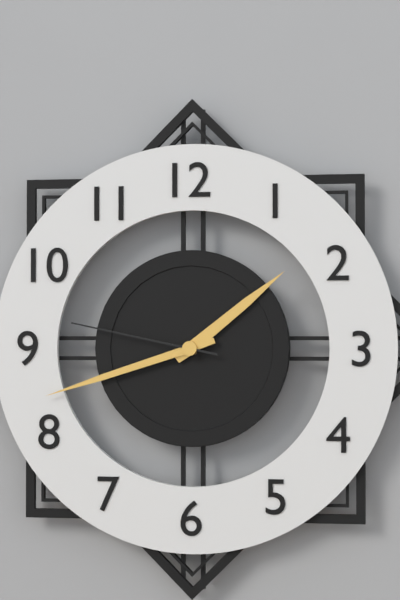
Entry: h=1 m=42 s=47
